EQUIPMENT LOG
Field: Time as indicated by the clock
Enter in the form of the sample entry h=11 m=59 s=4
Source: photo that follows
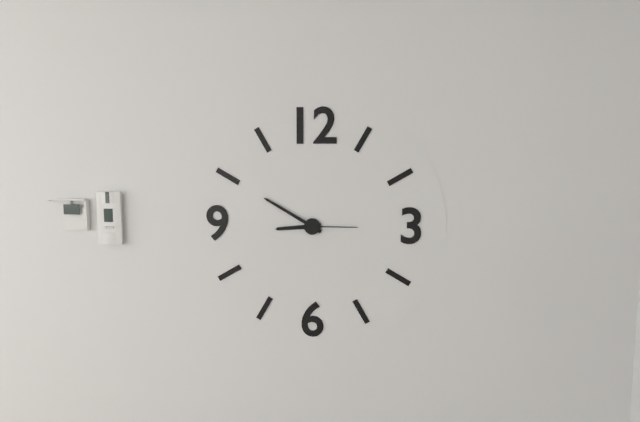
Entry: h=8 m=50 s=15
